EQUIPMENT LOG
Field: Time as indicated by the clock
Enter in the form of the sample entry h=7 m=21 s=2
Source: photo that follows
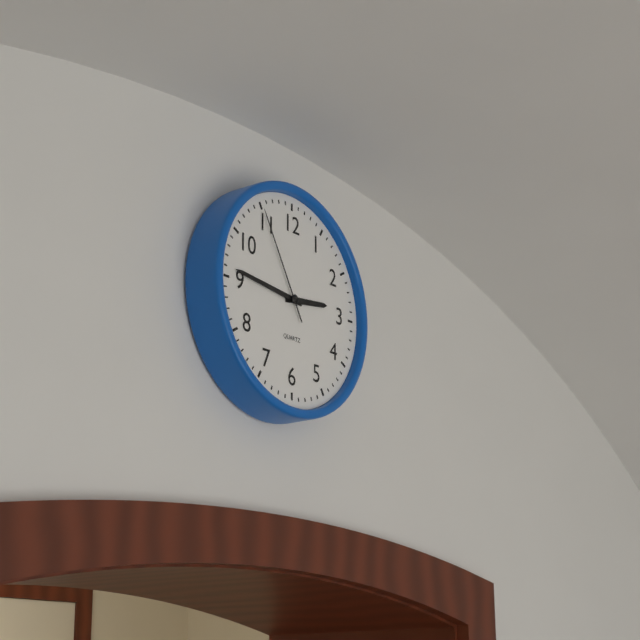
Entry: h=2 m=46 s=55
